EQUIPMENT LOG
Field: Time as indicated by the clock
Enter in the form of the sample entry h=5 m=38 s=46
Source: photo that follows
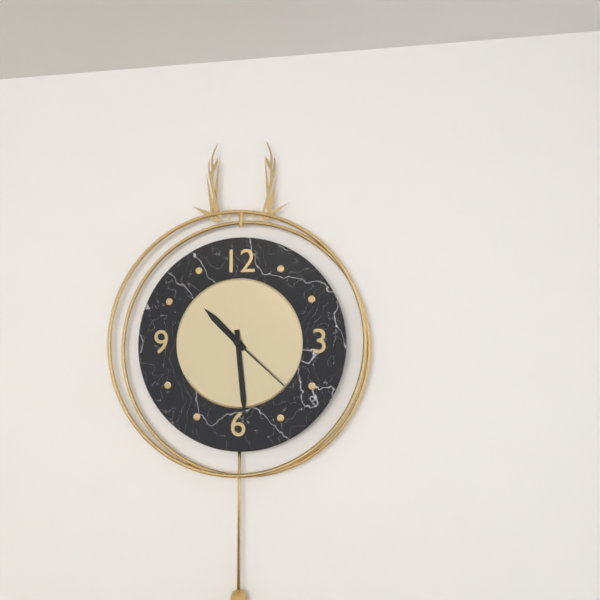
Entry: h=10 m=29 s=22
